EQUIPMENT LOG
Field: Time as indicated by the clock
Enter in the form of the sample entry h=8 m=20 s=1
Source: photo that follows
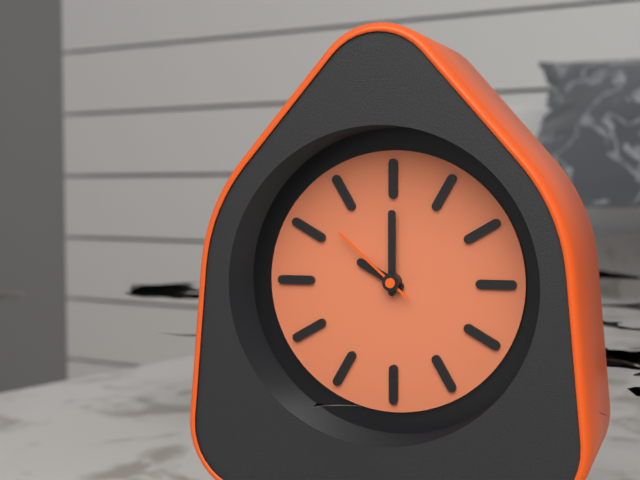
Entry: h=10 m=0 s=52
